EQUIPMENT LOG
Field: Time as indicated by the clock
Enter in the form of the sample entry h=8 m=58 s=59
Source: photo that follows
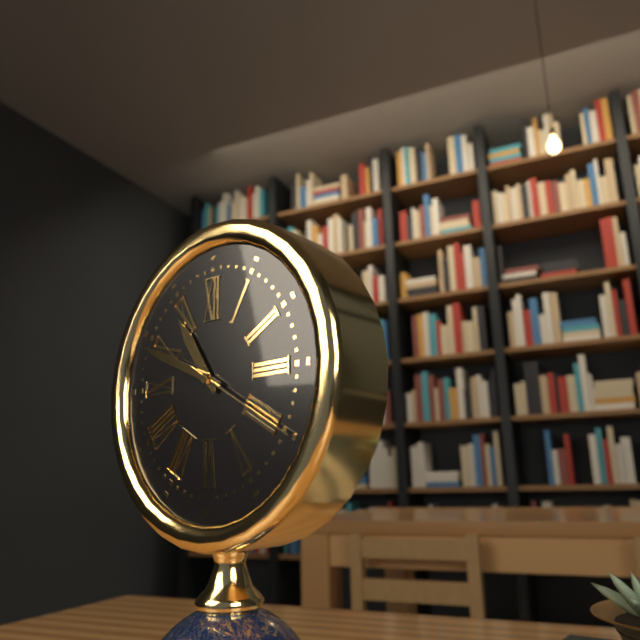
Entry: h=10 m=49 s=20
